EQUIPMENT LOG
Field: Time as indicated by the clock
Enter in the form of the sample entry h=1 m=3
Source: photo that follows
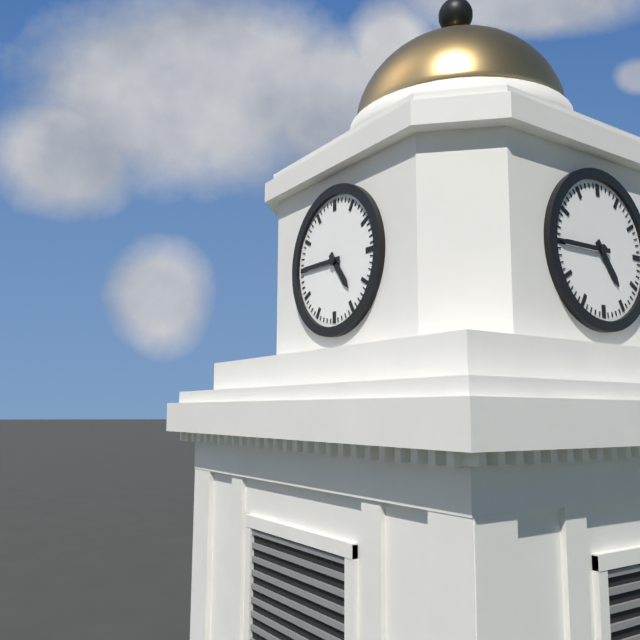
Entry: h=4 m=45
